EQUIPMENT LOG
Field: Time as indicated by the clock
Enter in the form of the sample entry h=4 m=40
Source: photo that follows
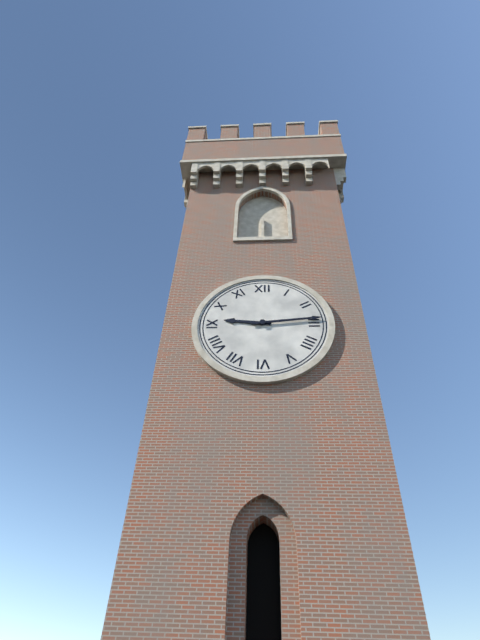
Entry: h=9 m=14
